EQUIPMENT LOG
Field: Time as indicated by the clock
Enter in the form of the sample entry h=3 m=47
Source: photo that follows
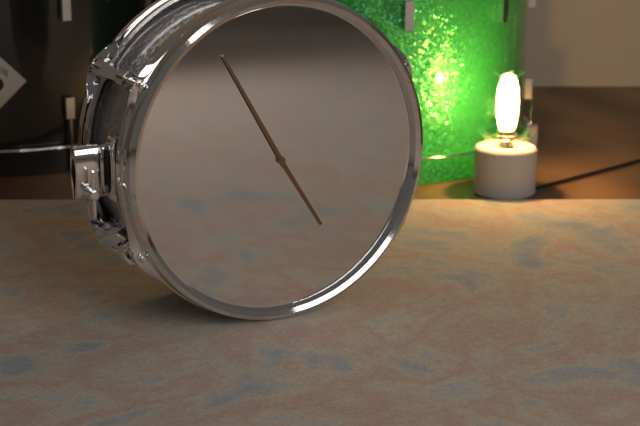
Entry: h=4 m=55
